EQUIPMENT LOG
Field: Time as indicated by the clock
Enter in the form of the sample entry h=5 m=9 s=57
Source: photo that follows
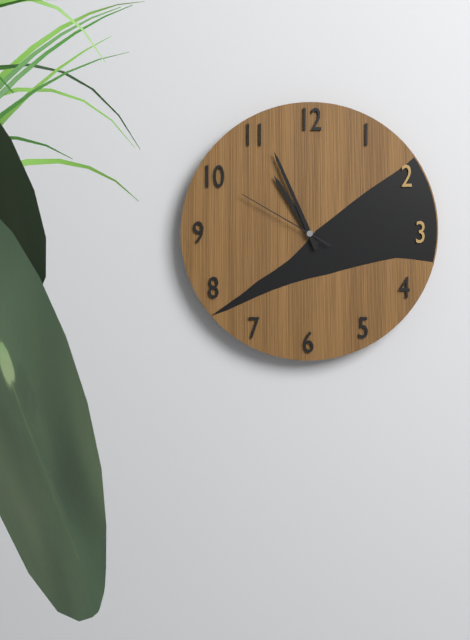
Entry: h=10 m=56 s=50
